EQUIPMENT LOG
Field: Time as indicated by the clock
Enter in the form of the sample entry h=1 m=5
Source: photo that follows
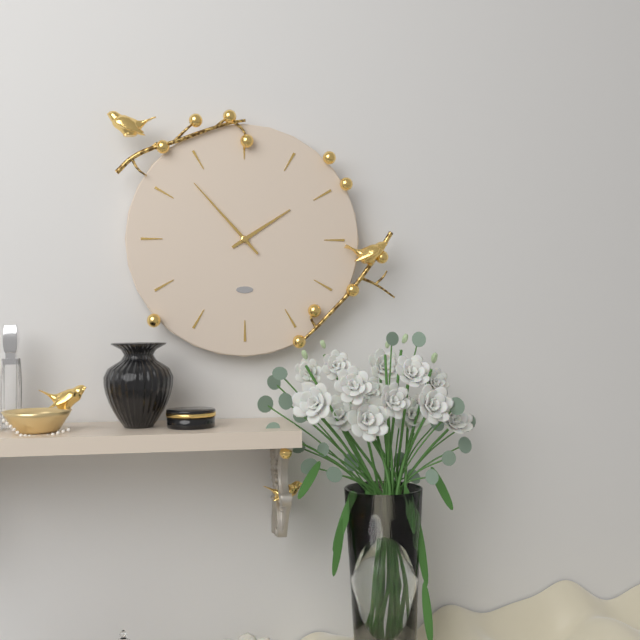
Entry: h=1 m=53
